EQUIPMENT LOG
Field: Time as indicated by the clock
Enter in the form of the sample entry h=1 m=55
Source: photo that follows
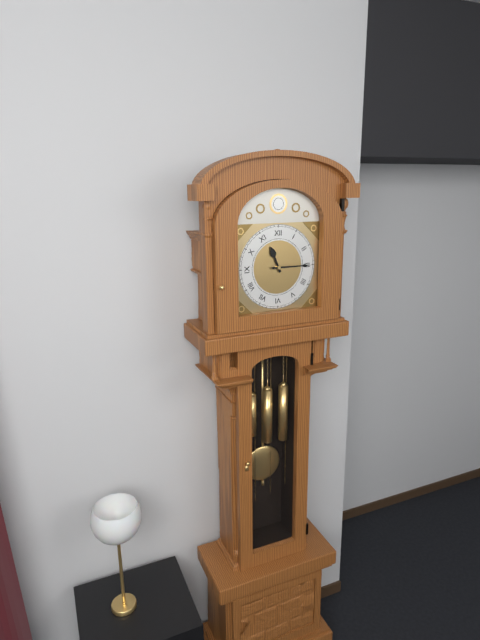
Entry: h=11 m=15
